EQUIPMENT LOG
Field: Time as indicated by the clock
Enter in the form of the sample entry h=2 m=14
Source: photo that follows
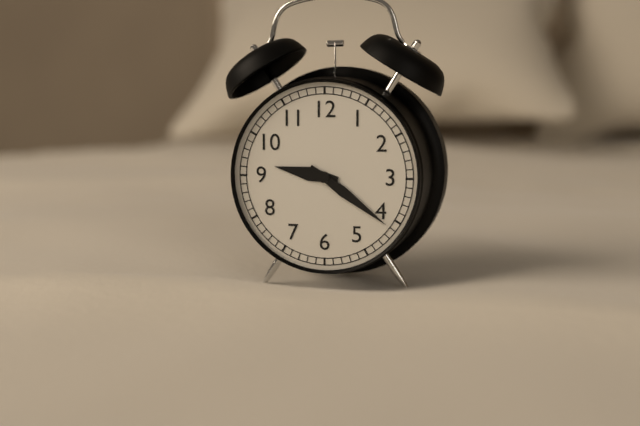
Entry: h=9 m=21
